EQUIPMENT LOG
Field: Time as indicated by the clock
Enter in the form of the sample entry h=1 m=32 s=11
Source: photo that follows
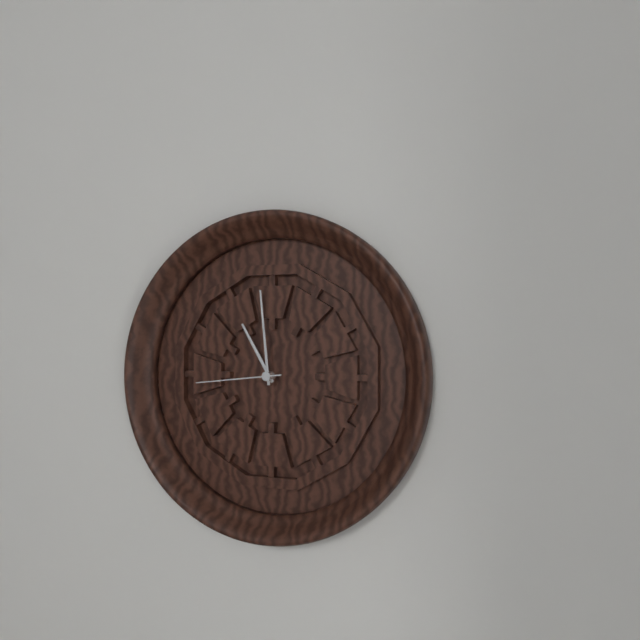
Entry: h=10 m=59 s=44
